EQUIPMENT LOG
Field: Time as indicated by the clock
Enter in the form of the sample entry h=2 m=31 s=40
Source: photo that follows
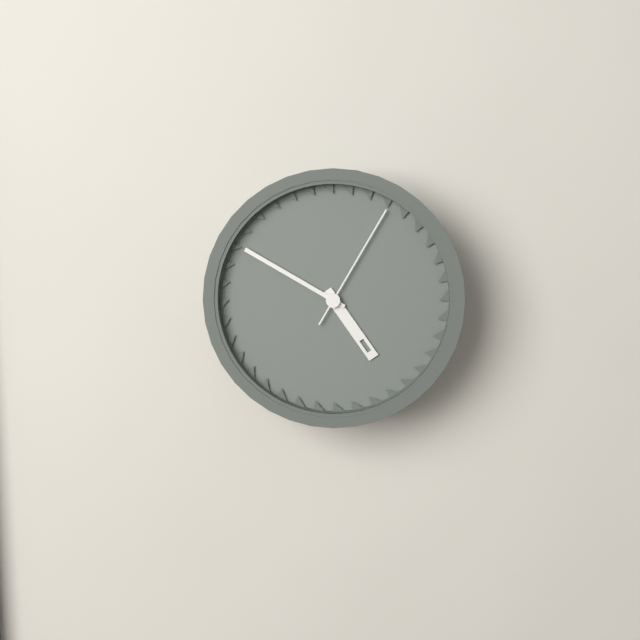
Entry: h=4 m=50 s=5
